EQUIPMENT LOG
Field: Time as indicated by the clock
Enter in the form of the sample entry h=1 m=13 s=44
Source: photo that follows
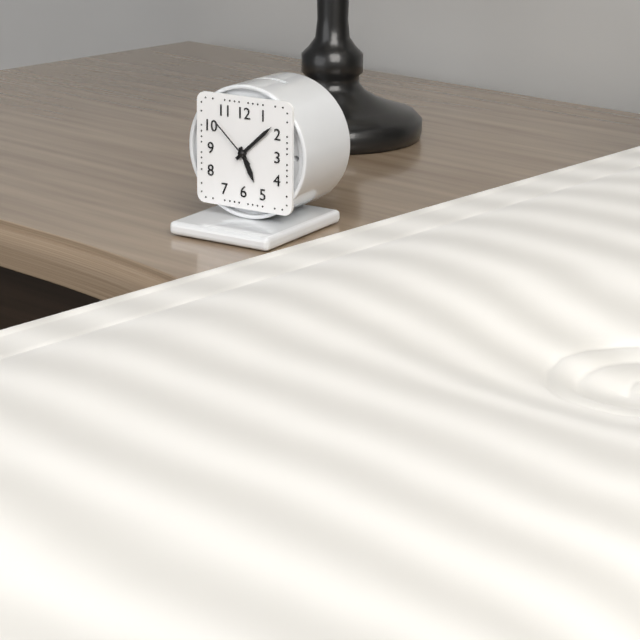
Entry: h=5 m=8 s=52
